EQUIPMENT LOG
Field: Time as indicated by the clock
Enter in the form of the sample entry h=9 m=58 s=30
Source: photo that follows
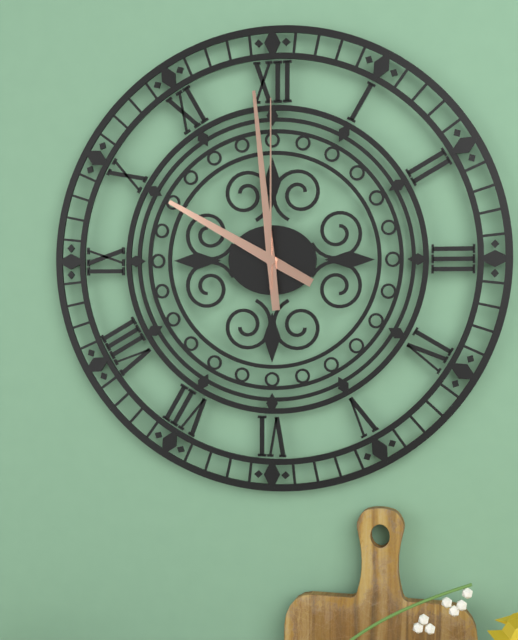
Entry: h=9 m=59 s=0
